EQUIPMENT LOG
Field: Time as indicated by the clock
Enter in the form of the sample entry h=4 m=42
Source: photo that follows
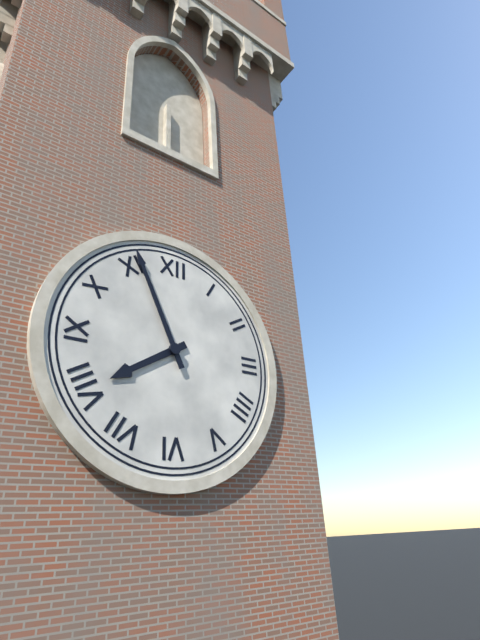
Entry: h=7 m=56
